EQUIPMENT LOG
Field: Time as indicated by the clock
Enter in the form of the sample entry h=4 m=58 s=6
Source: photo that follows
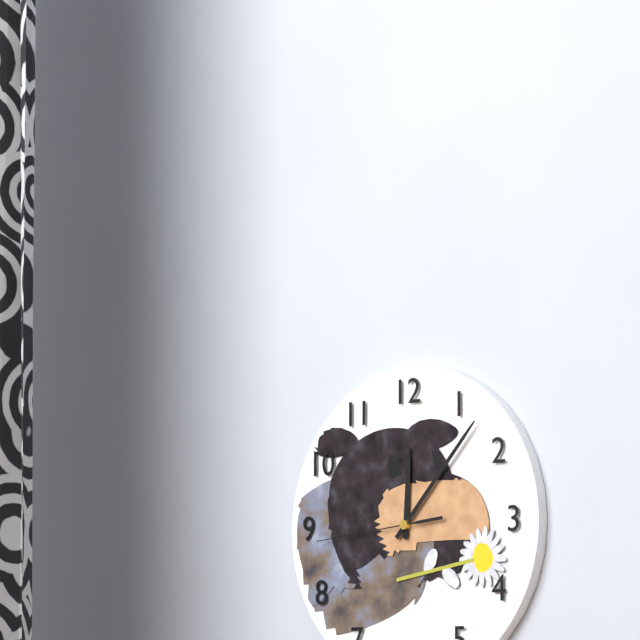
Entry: h=12 m=7 s=44
